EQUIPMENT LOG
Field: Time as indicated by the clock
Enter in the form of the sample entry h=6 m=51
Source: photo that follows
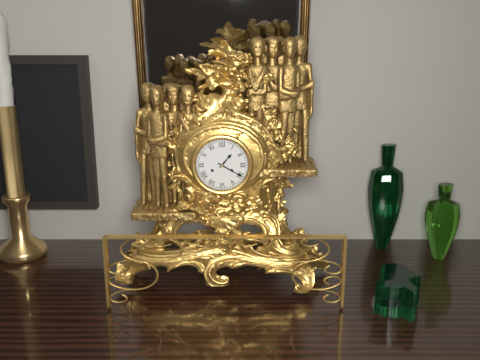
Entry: h=1 m=20
